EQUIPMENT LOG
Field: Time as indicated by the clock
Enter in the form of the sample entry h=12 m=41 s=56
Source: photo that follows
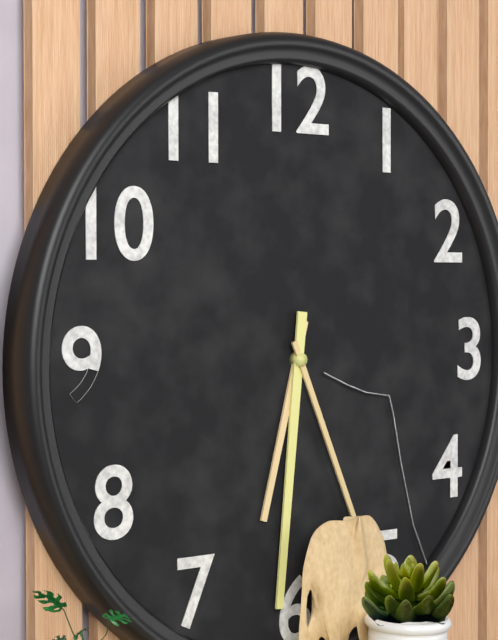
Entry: h=6 m=31 s=26
